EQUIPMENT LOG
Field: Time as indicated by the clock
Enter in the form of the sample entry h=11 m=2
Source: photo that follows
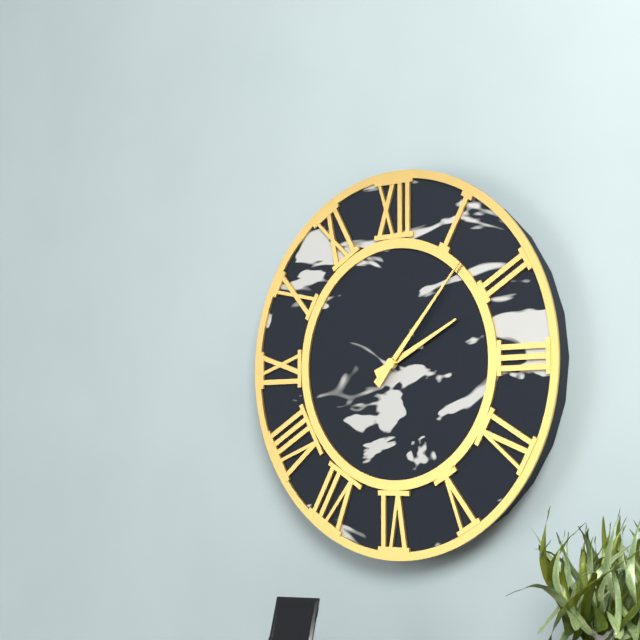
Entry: h=2 m=7
